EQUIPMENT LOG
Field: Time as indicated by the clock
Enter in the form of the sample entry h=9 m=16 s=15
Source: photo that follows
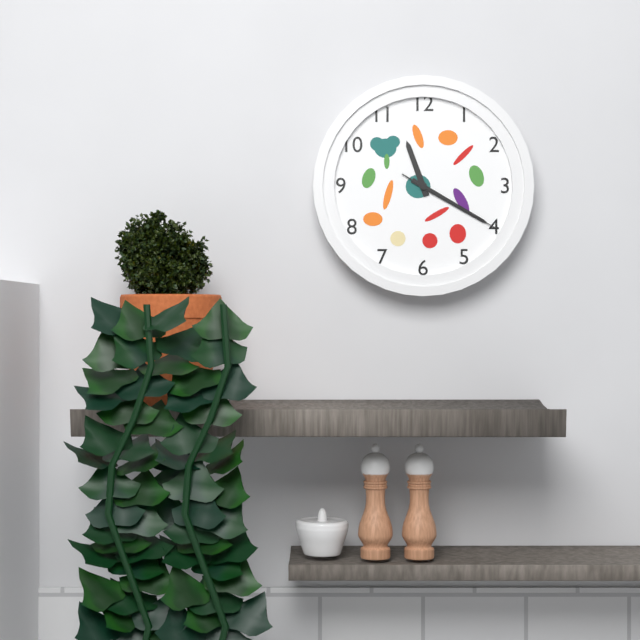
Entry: h=11 m=20 s=20
